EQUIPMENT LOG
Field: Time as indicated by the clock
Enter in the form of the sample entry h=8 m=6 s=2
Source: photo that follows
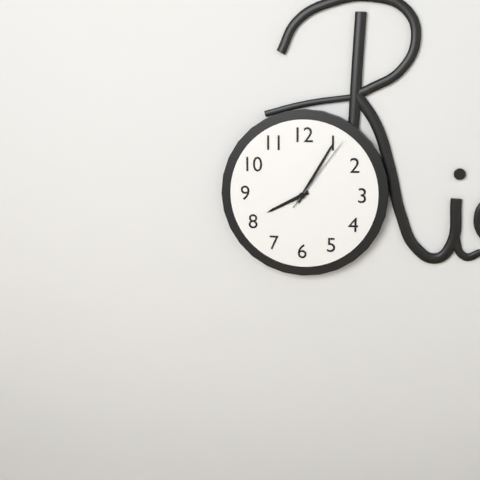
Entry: h=8 m=5 s=6
